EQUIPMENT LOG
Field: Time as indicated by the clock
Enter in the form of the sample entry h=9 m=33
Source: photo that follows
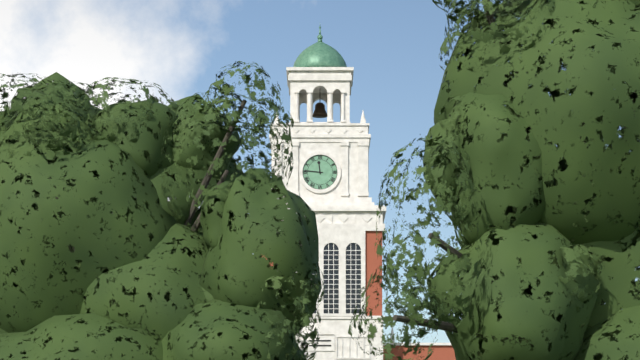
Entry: h=11 m=46
